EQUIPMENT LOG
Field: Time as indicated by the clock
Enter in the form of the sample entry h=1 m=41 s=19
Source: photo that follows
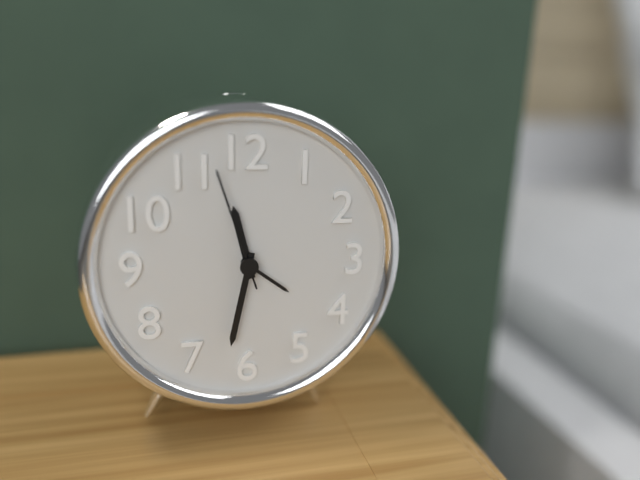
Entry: h=11 m=32 s=57
